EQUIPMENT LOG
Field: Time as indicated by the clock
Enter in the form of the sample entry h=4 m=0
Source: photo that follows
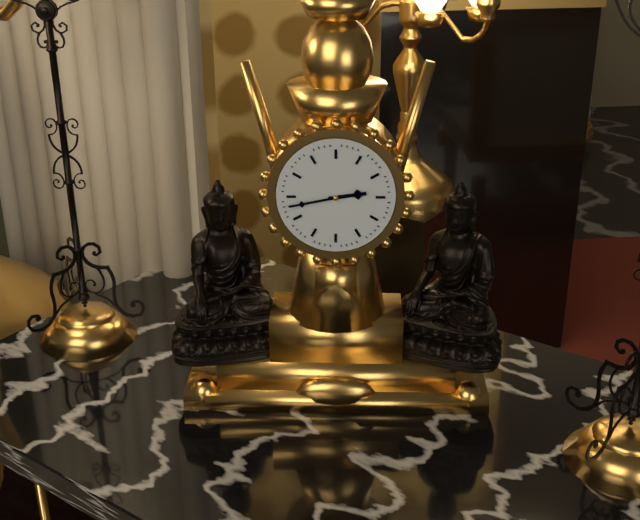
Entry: h=2 m=43
